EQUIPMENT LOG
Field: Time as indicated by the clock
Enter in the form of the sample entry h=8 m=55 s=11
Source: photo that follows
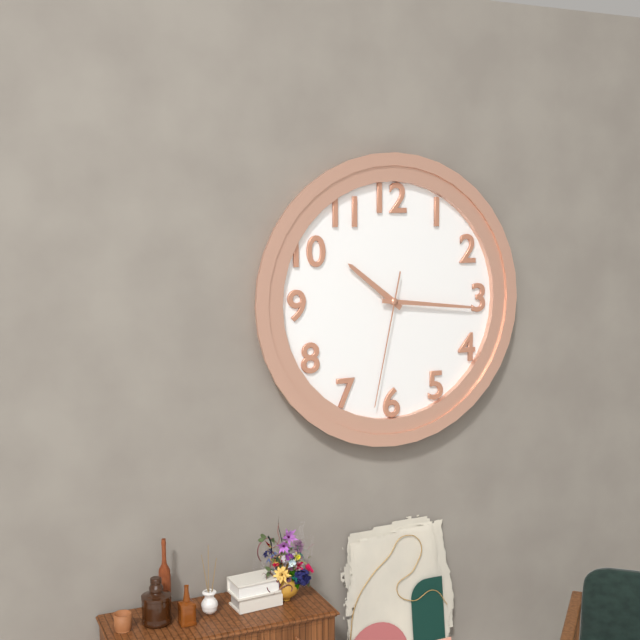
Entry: h=10 m=16 s=32
